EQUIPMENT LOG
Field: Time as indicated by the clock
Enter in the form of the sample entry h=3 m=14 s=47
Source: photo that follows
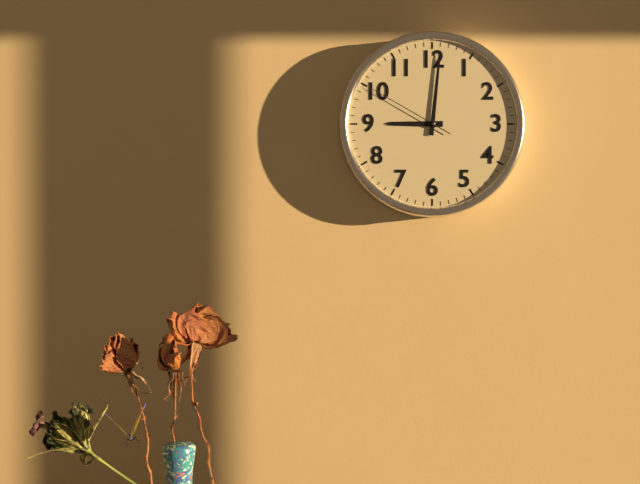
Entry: h=9 m=1 s=50
